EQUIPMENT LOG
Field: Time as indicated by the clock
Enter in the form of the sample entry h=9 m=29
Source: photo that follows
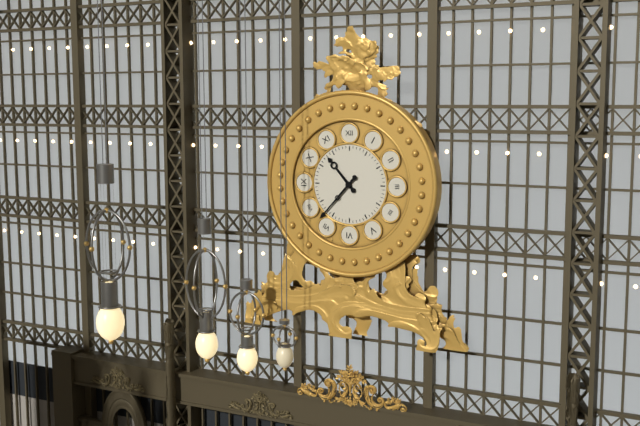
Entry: h=10 m=37
